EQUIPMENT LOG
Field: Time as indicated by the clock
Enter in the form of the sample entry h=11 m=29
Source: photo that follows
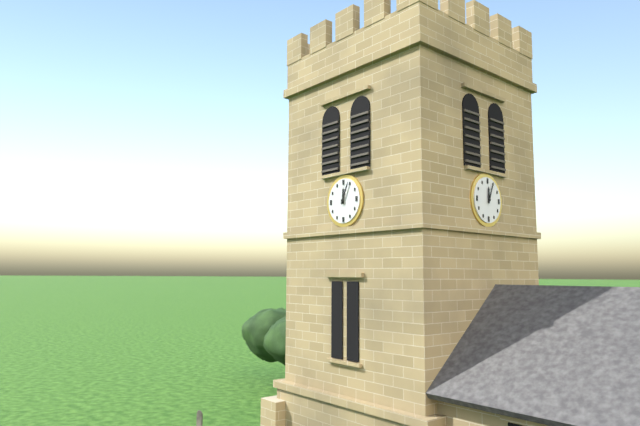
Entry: h=12 m=4
